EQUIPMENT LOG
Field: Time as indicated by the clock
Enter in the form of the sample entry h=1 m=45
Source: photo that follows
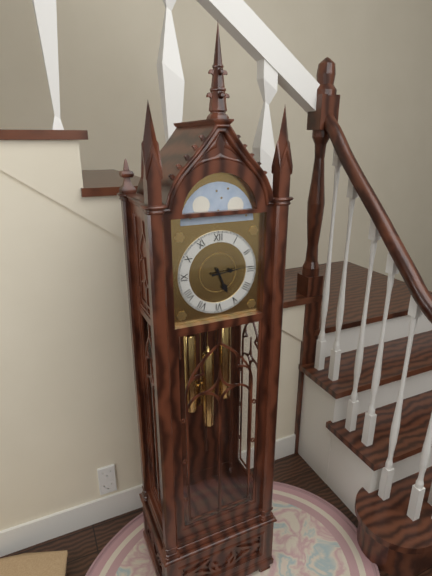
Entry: h=5 m=14
